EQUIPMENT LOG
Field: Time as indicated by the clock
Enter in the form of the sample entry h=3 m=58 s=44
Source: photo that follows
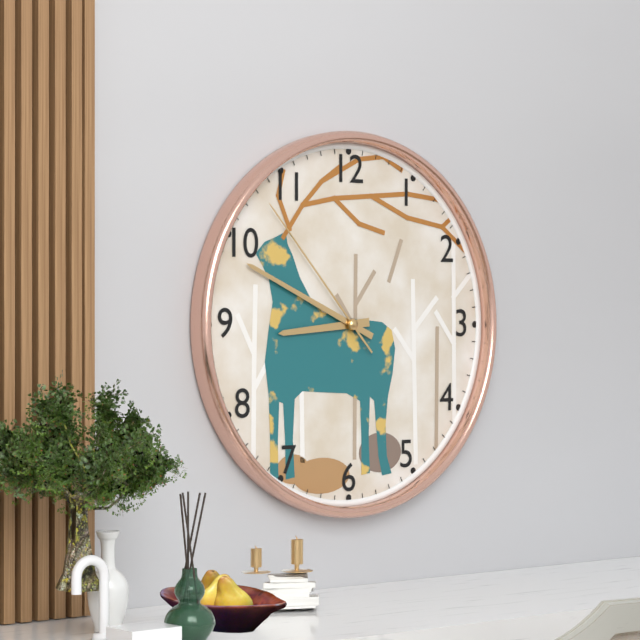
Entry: h=8 m=49 s=53
